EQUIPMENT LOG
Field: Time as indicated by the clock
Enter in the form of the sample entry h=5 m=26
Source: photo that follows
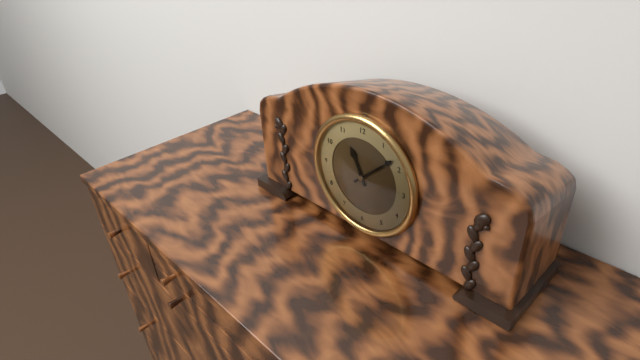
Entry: h=11 m=8
